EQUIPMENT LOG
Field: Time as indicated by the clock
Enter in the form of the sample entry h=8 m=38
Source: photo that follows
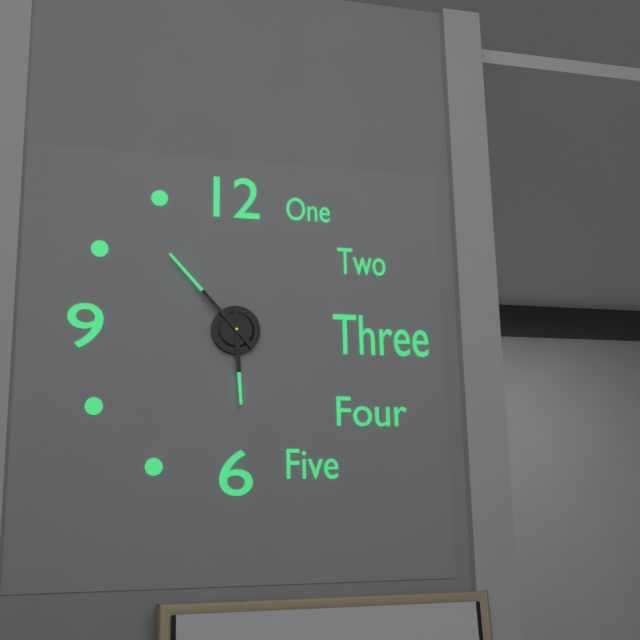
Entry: h=5 m=53
